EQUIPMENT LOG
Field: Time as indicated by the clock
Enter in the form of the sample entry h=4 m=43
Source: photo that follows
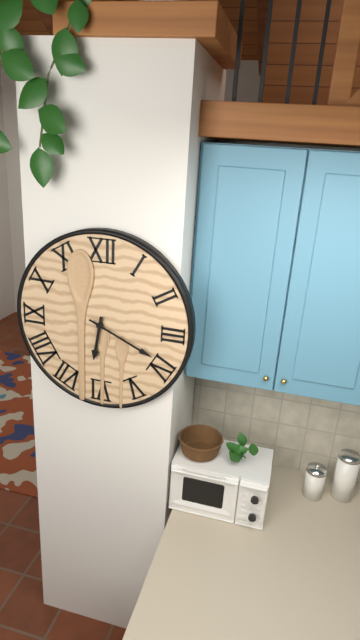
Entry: h=6 m=19
